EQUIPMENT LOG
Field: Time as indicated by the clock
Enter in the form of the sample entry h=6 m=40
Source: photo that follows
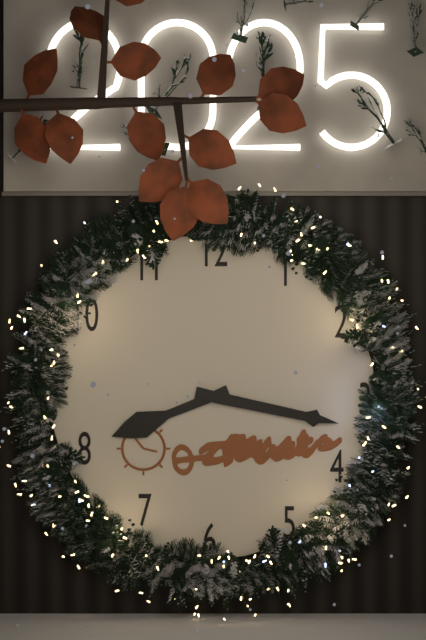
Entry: h=8 m=17
